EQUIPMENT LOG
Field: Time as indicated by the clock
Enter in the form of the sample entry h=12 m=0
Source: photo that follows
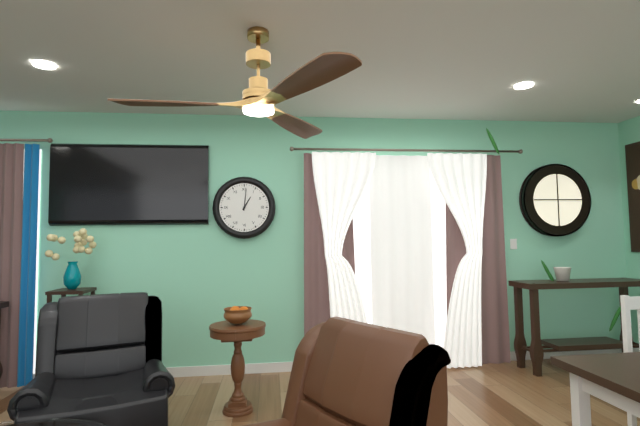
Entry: h=1 m=1
